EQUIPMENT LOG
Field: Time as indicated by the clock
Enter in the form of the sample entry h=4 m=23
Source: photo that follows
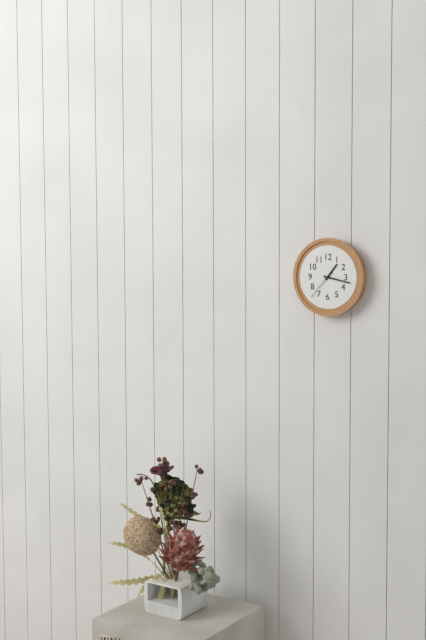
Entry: h=1 m=17
